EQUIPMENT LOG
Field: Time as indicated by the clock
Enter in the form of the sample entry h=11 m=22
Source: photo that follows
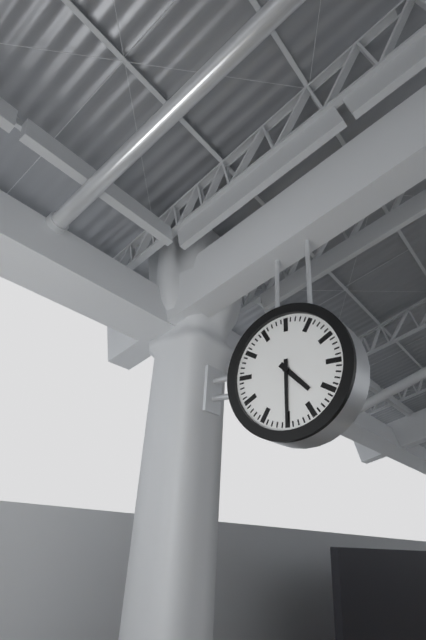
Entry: h=4 m=30
